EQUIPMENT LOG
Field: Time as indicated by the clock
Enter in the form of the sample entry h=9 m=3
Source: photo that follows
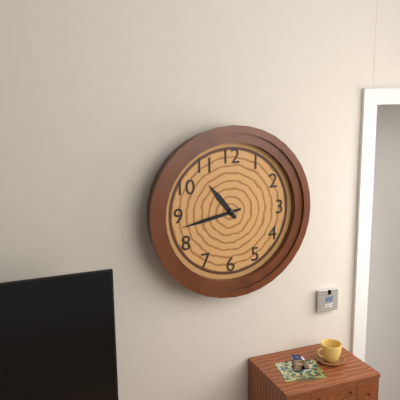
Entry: h=10 m=43
